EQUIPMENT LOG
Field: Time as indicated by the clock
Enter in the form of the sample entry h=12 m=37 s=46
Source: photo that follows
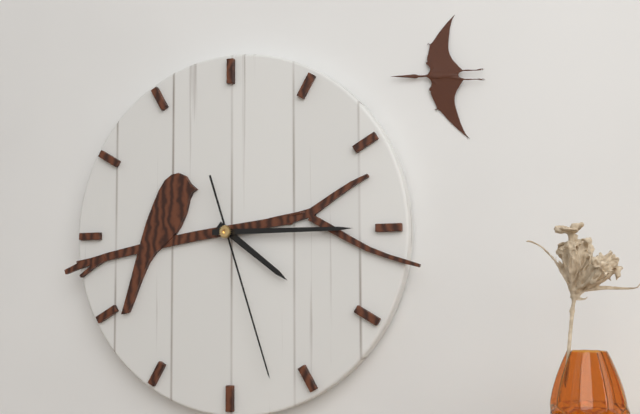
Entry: h=4 m=15 s=27
